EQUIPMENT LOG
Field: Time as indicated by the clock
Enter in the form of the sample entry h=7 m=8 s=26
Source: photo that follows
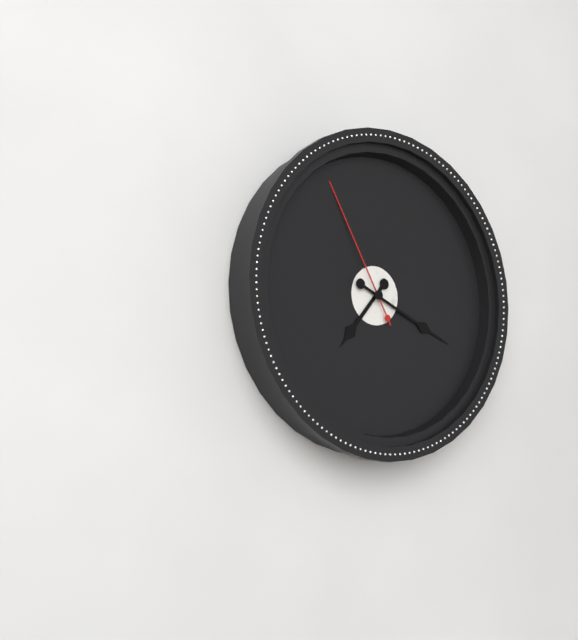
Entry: h=7 m=19 s=55
